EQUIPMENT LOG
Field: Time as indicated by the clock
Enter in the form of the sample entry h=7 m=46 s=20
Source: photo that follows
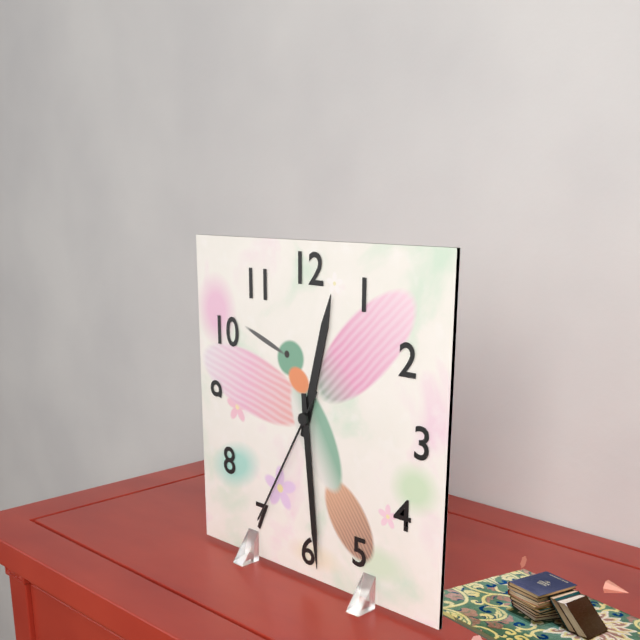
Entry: h=12 m=29 s=35
